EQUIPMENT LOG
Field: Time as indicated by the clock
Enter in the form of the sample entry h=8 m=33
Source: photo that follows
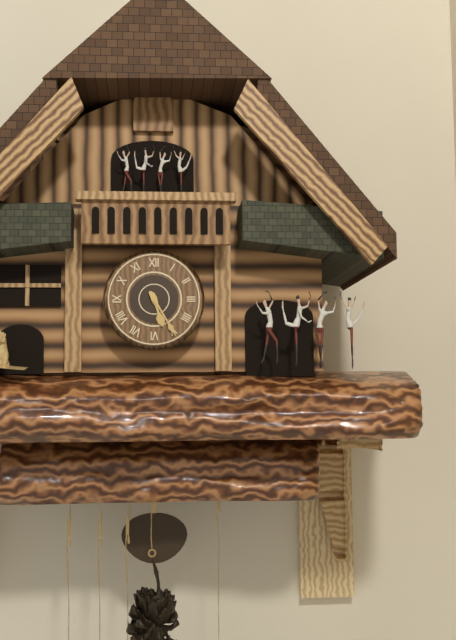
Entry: h=5 m=25
